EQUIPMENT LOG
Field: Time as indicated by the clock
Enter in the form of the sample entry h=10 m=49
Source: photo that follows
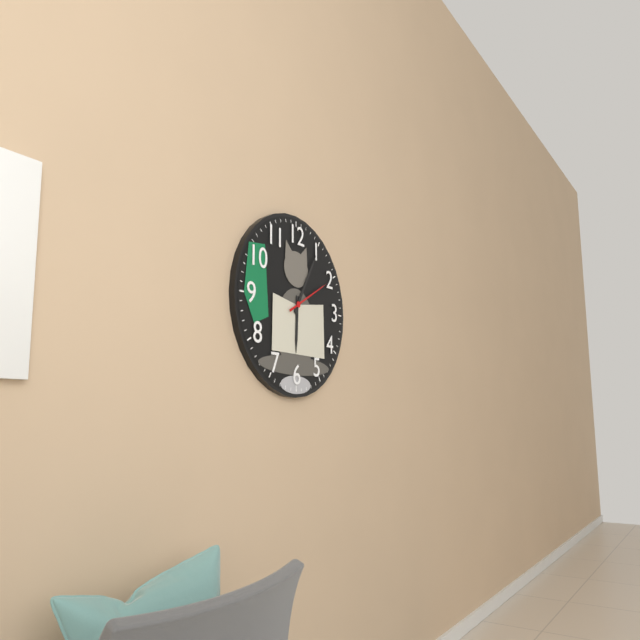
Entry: h=6 m=5
